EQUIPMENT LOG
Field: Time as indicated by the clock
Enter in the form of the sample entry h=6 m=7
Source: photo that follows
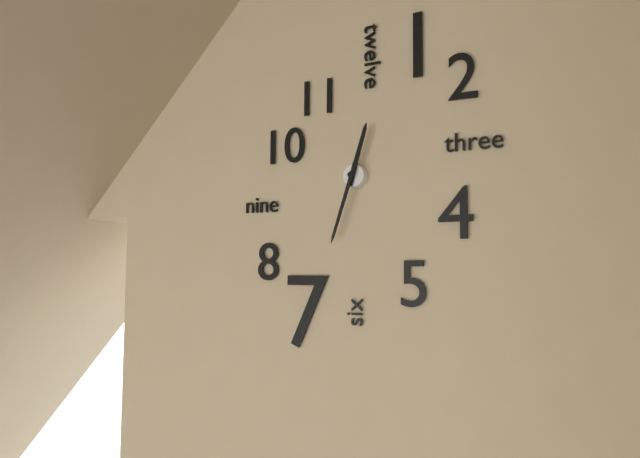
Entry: h=12 m=33
